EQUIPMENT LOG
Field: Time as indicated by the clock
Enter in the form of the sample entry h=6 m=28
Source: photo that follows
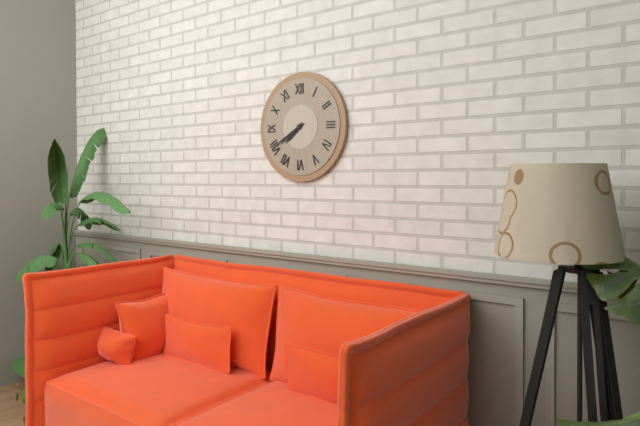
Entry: h=7 m=40
